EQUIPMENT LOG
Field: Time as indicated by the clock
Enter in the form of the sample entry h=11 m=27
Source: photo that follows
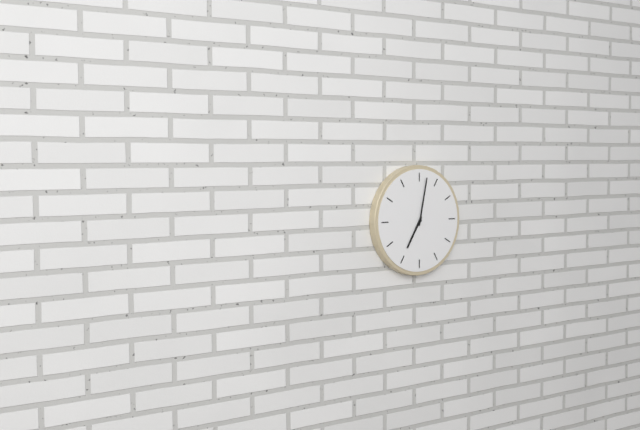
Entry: h=7 m=2
